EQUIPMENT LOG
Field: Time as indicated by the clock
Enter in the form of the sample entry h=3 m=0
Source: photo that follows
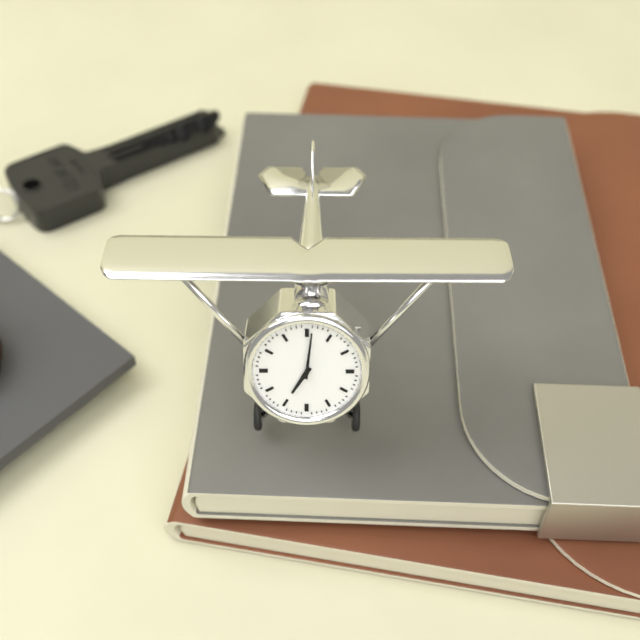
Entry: h=7 m=1
